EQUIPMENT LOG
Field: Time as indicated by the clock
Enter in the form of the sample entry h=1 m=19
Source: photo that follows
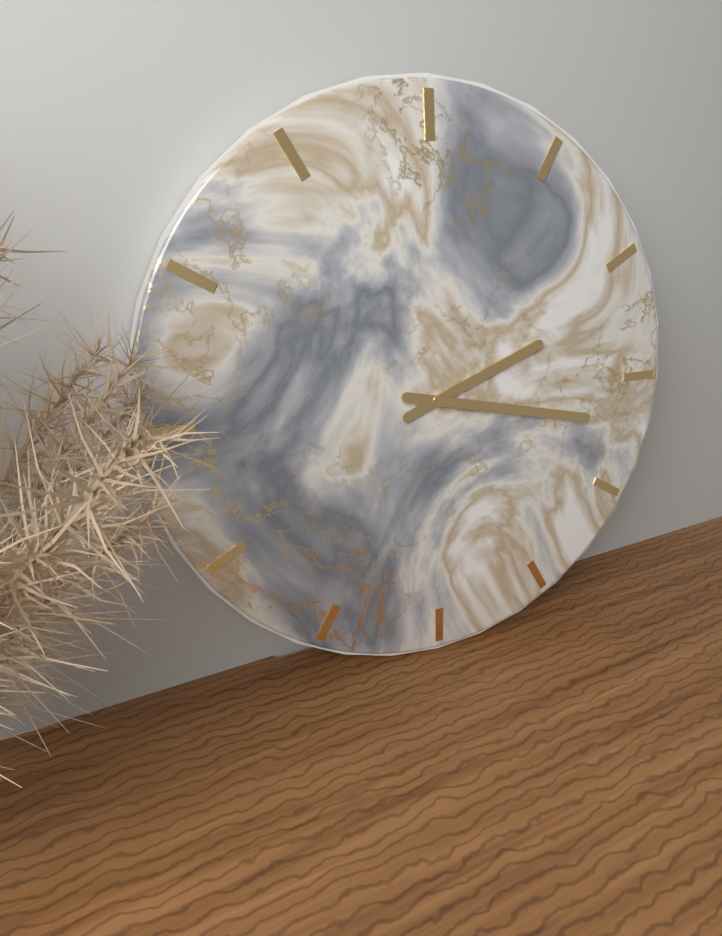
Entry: h=2 m=17
